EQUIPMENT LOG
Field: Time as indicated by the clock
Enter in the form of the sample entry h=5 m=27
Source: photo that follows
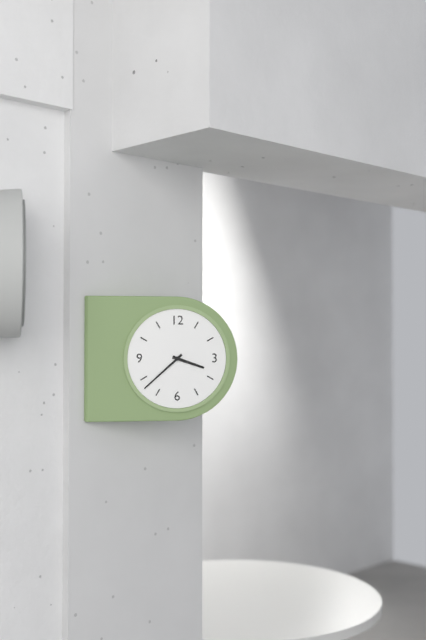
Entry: h=3 m=38
